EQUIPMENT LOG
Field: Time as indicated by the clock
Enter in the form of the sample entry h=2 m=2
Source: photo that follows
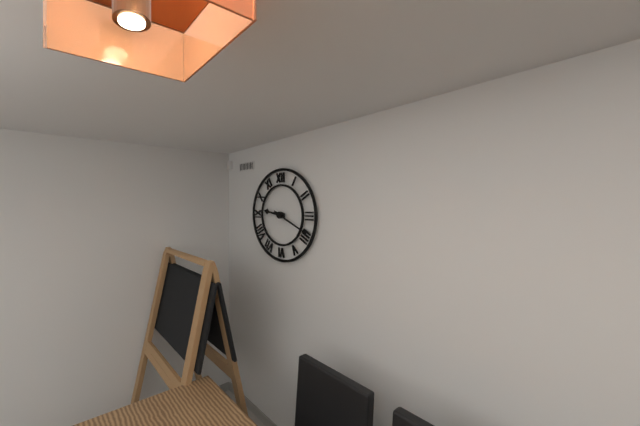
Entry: h=9 m=19
